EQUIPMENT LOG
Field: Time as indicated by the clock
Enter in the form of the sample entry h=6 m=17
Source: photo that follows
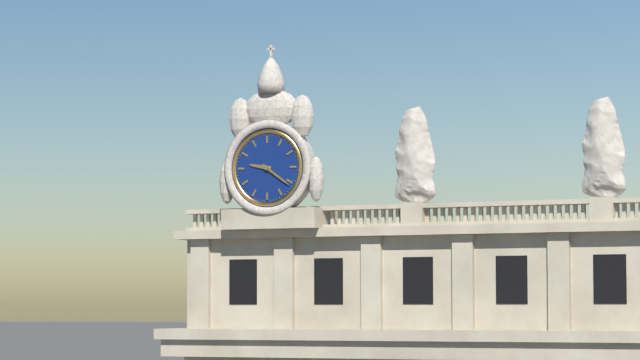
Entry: h=9 m=21
